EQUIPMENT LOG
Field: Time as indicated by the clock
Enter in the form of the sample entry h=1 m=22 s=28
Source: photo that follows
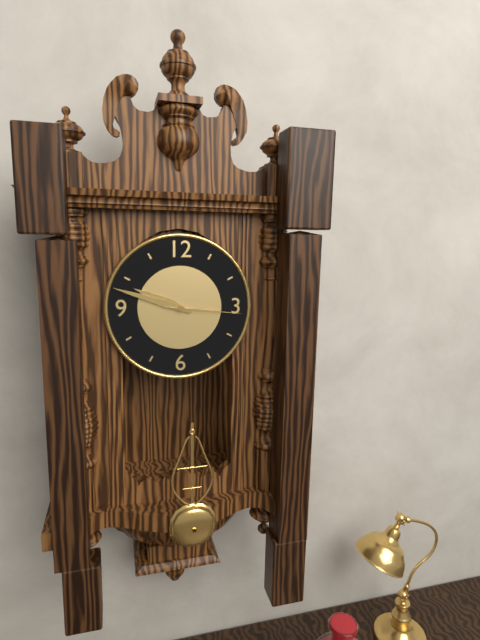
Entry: h=9 m=48 s=16
